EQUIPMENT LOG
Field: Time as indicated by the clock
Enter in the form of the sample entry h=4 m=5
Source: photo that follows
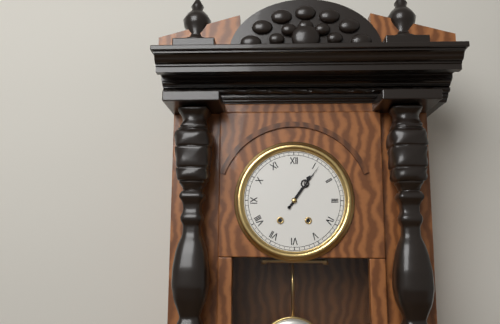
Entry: h=1 m=6
